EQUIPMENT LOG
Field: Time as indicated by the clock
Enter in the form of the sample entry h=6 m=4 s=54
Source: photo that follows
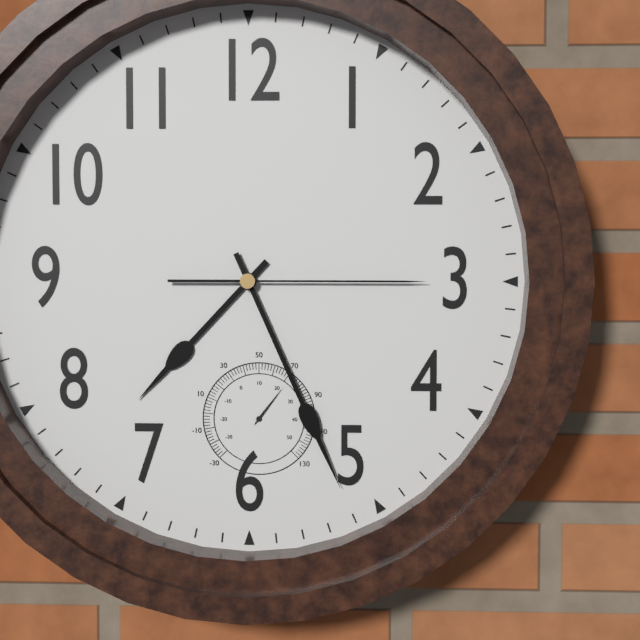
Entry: h=7 m=26 s=15
